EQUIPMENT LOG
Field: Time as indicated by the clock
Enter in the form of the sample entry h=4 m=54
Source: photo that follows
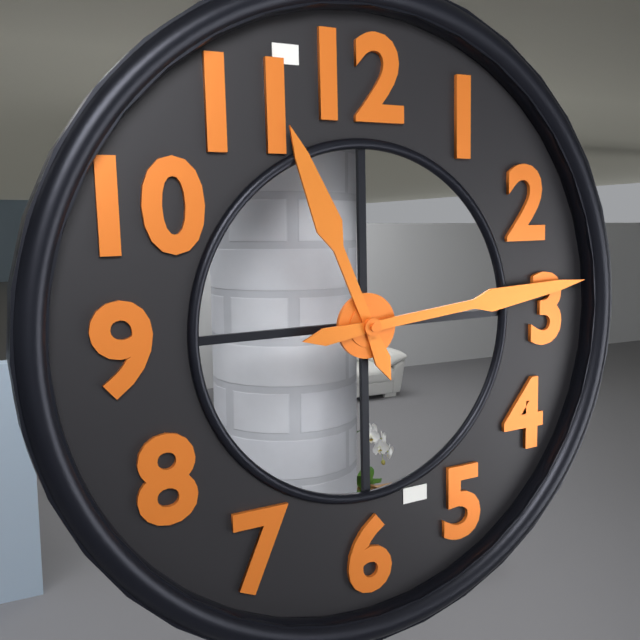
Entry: h=11 m=14
